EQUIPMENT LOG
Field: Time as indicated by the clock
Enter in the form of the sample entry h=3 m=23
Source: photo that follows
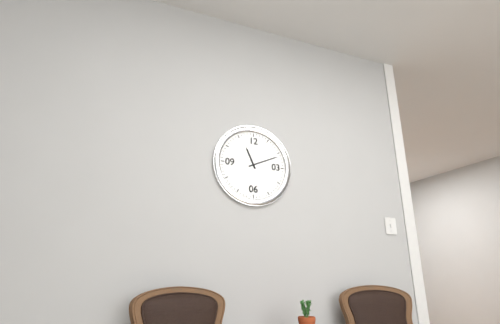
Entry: h=11 m=11
